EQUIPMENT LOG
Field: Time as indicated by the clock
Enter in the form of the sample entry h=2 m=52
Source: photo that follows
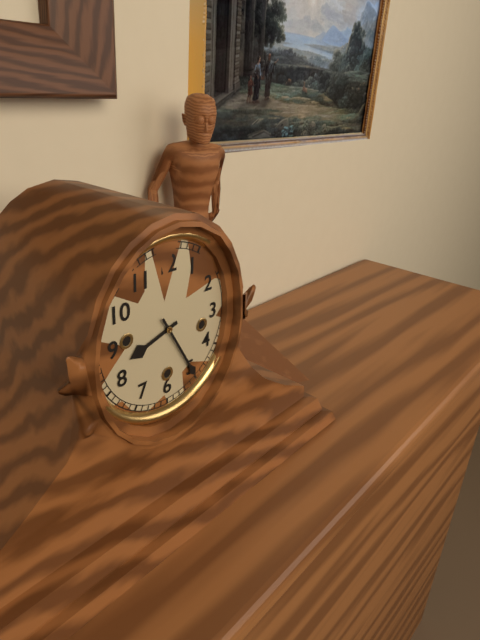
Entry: h=8 m=25
